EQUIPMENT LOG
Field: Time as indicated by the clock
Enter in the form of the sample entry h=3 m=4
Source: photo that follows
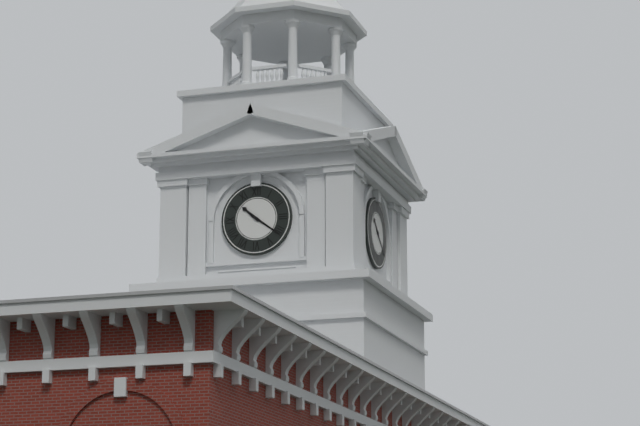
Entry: h=10 m=21
